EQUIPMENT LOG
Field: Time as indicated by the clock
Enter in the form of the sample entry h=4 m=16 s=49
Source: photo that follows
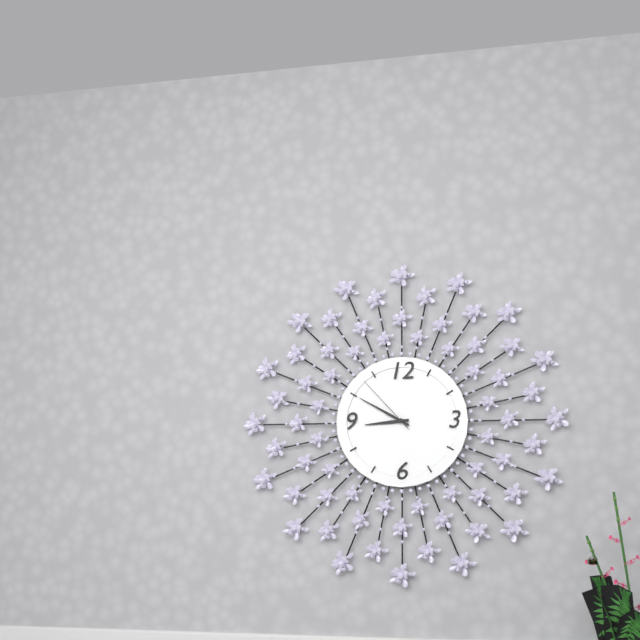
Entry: h=8 m=50 s=53
